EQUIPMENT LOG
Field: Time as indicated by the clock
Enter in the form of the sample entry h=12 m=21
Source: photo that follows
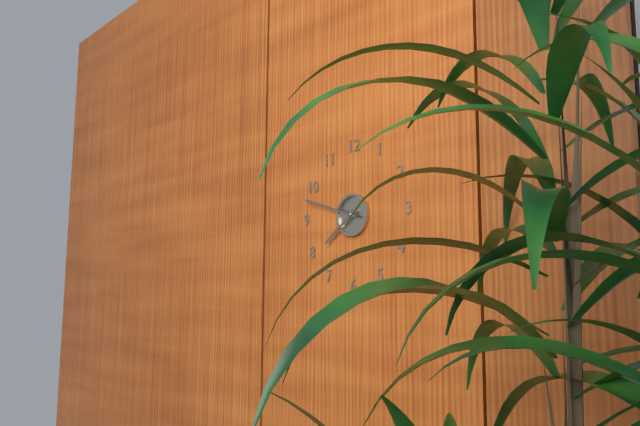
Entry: h=7 m=48
